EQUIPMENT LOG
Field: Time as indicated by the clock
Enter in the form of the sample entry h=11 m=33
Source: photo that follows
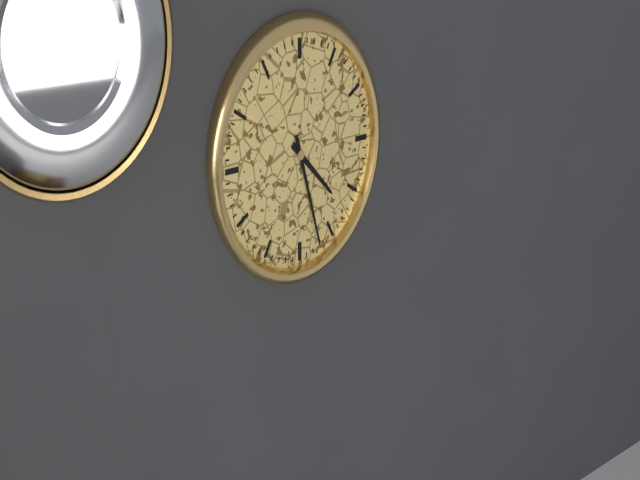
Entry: h=4 m=27
